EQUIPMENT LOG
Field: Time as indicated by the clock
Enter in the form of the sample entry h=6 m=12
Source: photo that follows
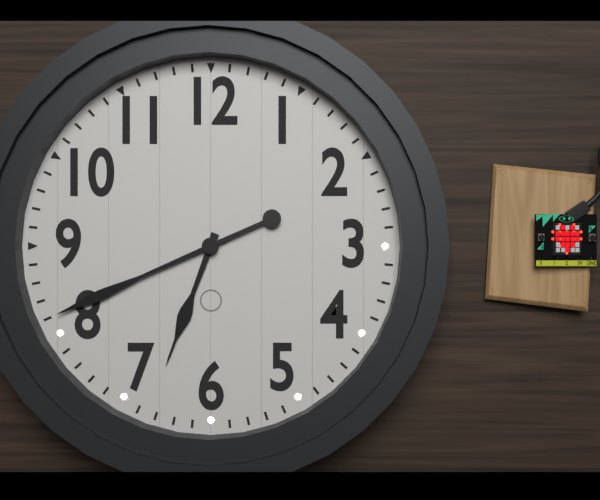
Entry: h=6 m=41
